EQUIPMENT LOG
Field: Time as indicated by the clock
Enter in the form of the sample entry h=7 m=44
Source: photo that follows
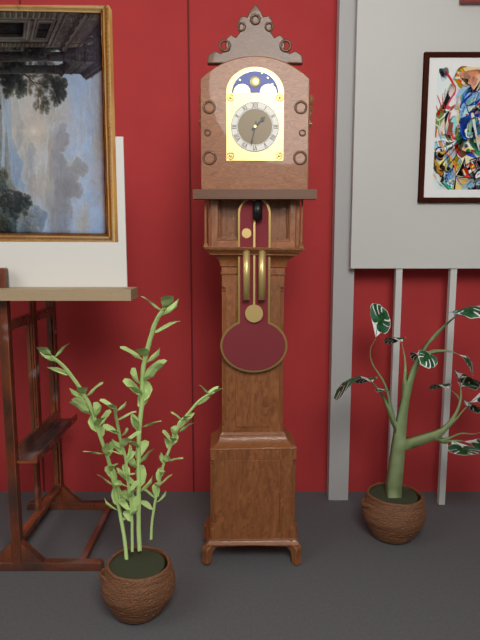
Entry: h=1 m=32
